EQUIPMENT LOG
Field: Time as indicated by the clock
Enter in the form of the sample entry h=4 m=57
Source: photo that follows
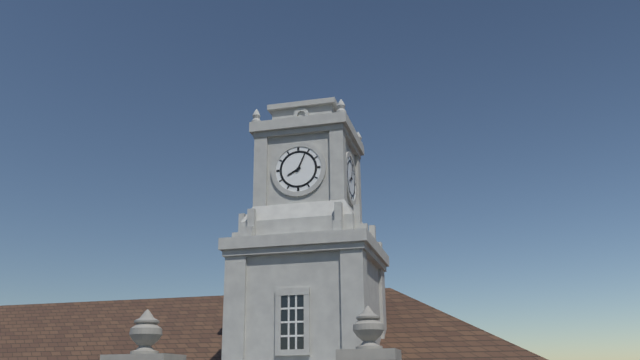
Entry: h=8 m=4
